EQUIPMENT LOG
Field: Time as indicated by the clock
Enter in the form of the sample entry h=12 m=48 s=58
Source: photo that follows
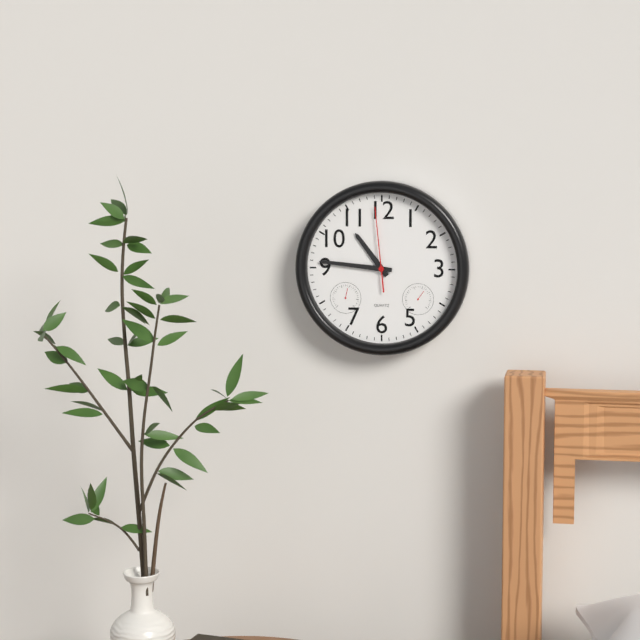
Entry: h=10 m=46 s=59
